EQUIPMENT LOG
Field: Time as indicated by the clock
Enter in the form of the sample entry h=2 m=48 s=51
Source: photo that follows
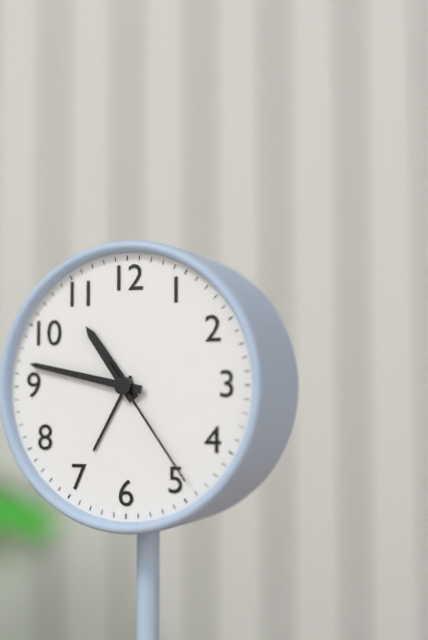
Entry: h=10 m=47 s=24
